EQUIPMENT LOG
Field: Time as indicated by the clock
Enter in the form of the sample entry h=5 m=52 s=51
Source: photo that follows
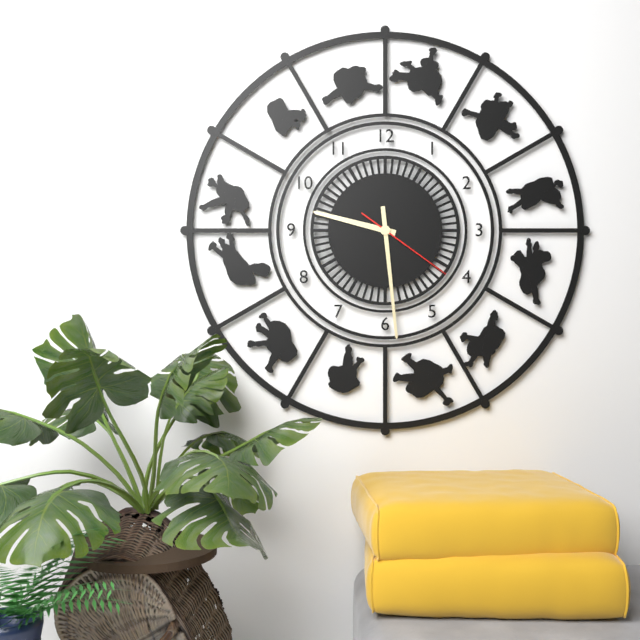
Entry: h=9 m=29 s=21
